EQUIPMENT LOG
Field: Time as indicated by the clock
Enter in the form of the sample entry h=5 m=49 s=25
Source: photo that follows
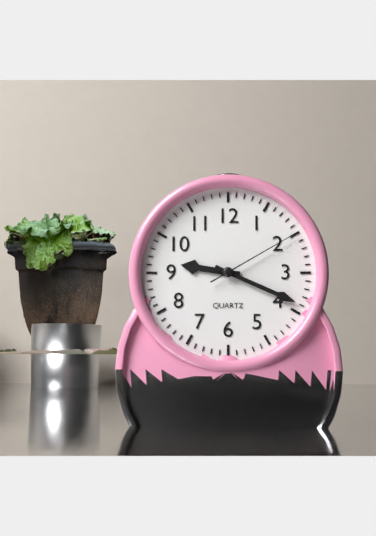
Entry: h=9 m=19 s=10
